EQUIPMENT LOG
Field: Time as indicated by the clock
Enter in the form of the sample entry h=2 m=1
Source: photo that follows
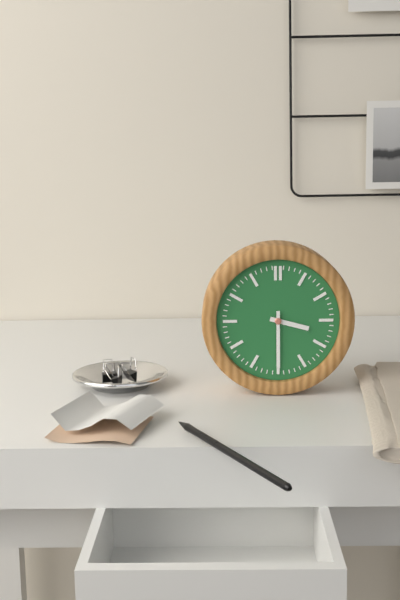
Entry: h=3 m=30
